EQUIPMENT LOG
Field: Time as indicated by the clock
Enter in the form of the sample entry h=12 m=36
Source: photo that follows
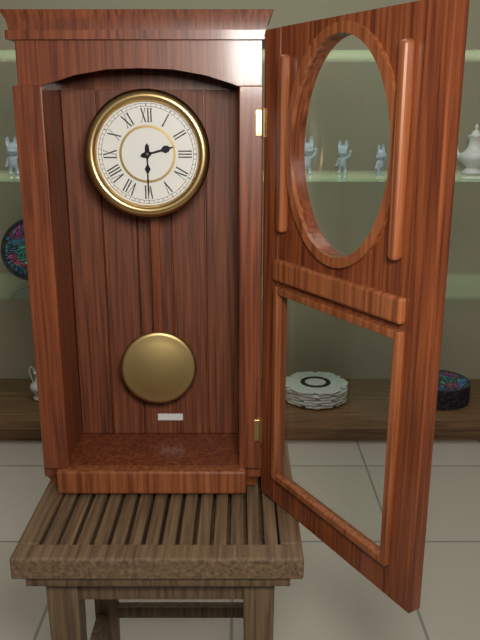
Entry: h=2 m=30
